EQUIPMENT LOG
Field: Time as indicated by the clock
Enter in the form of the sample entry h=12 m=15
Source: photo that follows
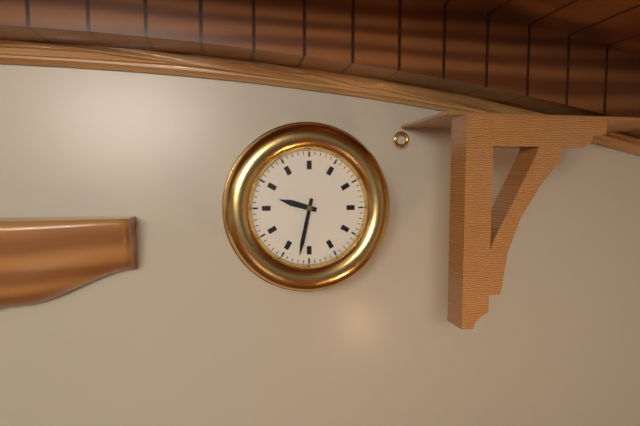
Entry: h=9 m=32
